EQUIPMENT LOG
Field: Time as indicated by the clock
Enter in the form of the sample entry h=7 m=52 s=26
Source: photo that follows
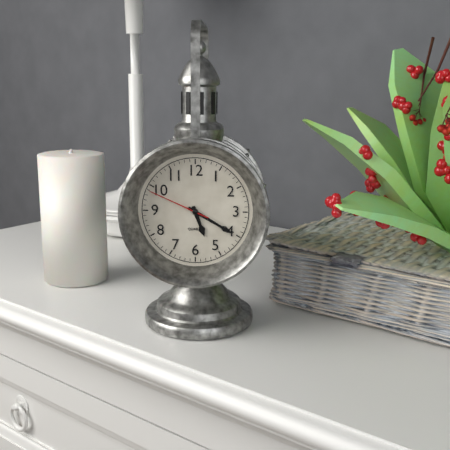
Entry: h=5 m=20 s=49
